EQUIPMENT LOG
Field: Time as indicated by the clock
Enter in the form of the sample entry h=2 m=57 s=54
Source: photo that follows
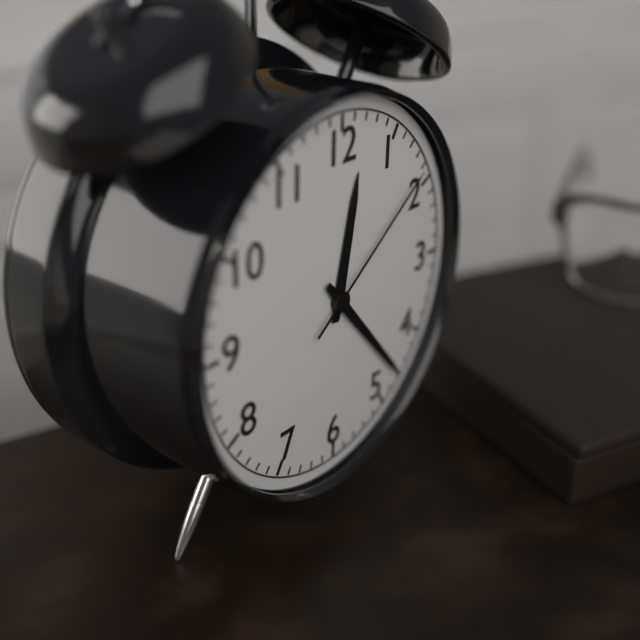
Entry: h=12 m=23 s=9
